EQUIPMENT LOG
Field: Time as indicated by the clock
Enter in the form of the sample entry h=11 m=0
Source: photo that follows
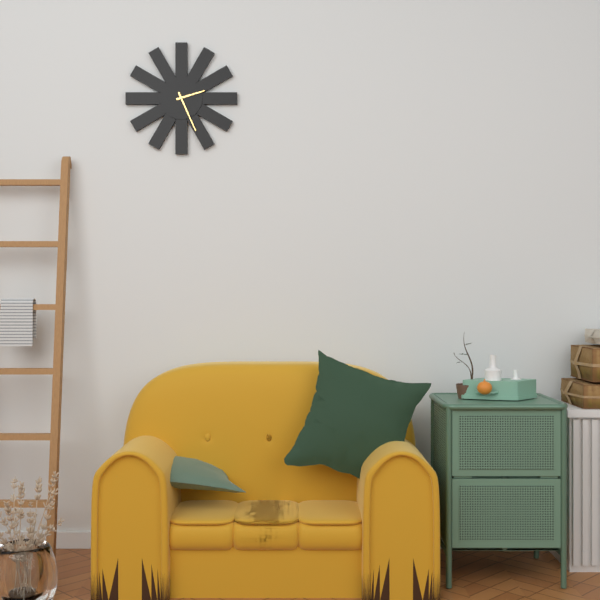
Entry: h=2 m=26
